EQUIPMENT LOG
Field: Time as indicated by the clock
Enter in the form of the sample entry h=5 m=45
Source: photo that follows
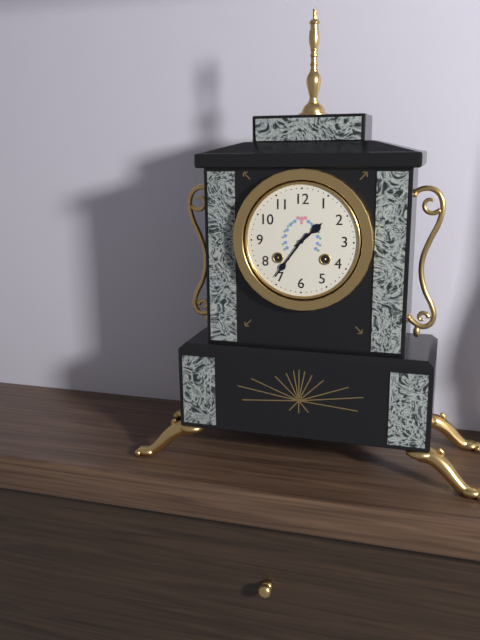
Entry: h=1 m=36
